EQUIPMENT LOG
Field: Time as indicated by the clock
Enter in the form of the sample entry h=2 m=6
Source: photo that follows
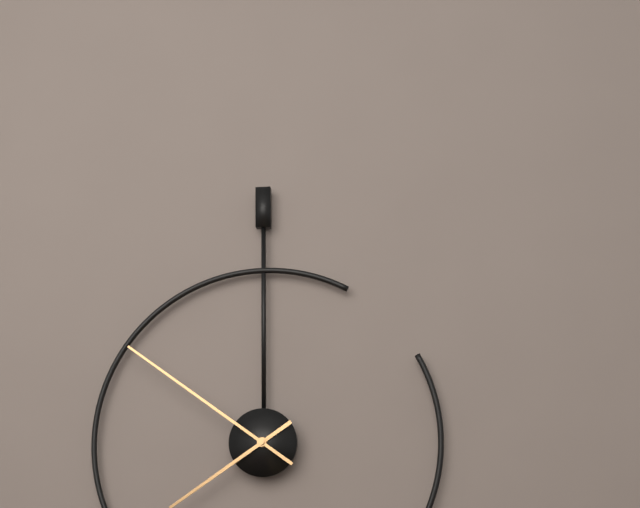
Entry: h=7 m=51
